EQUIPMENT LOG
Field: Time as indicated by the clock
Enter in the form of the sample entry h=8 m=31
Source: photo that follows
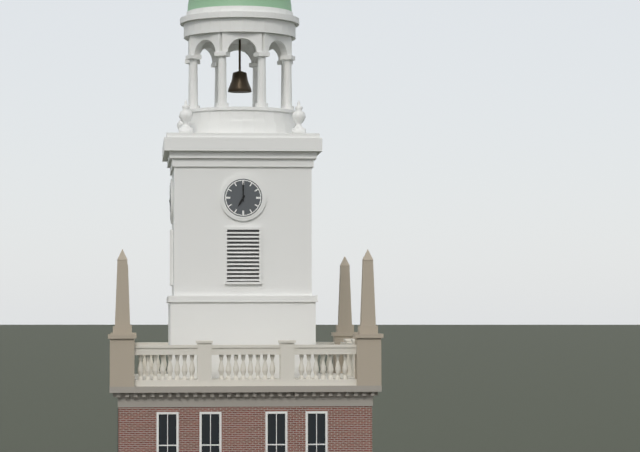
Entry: h=7 m=0
